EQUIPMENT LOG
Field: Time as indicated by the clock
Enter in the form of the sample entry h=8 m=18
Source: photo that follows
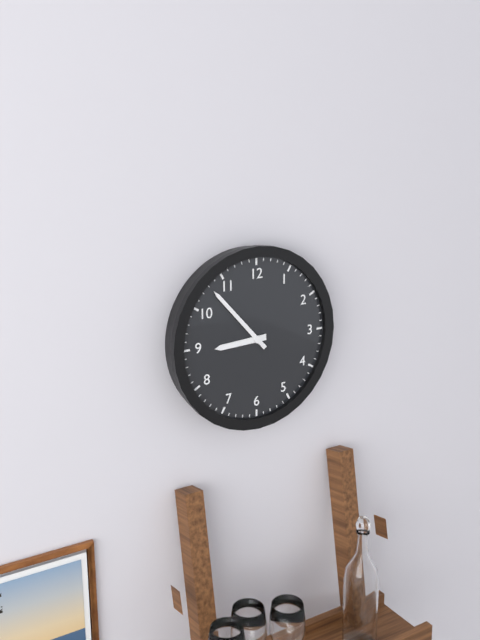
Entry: h=8 m=53
